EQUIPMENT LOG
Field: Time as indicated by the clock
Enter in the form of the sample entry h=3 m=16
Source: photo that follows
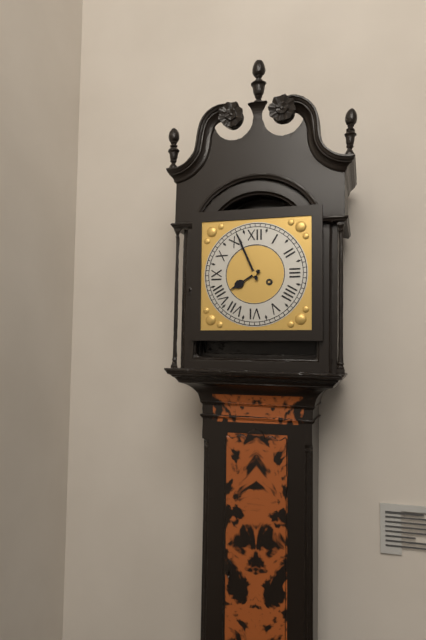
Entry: h=7 m=56
